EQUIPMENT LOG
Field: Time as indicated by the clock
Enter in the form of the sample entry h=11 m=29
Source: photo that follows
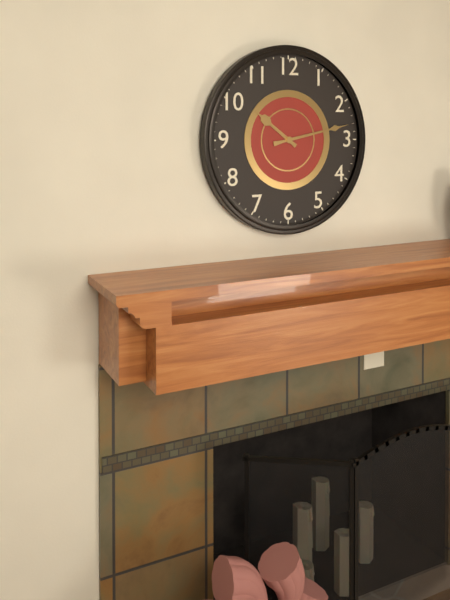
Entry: h=10 m=13
